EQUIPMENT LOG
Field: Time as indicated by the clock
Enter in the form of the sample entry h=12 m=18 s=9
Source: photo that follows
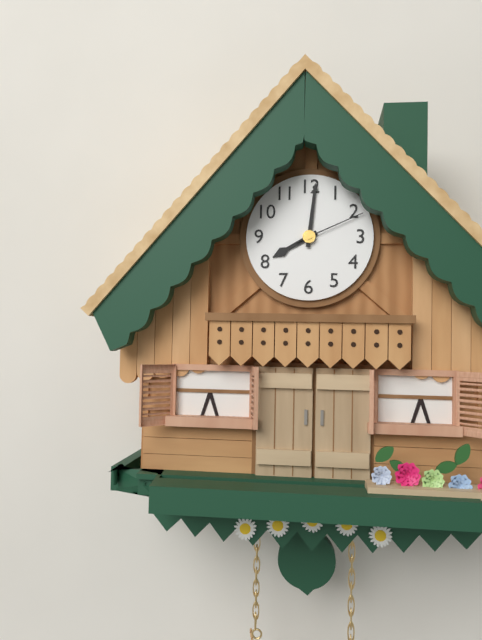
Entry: h=8 m=1 s=11
